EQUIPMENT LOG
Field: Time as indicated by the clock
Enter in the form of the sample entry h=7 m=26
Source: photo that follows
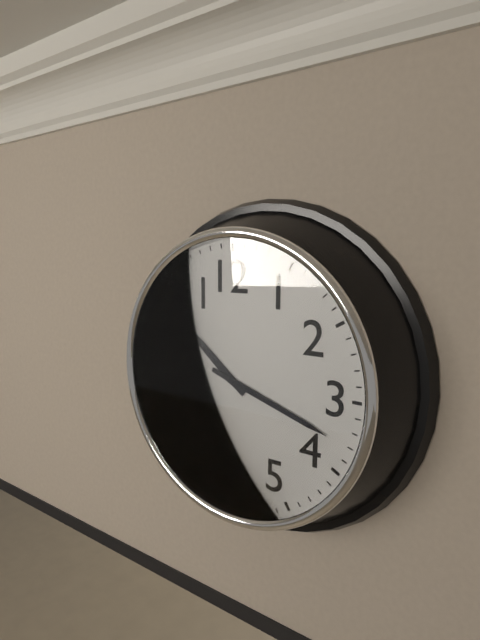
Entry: h=10 m=18
